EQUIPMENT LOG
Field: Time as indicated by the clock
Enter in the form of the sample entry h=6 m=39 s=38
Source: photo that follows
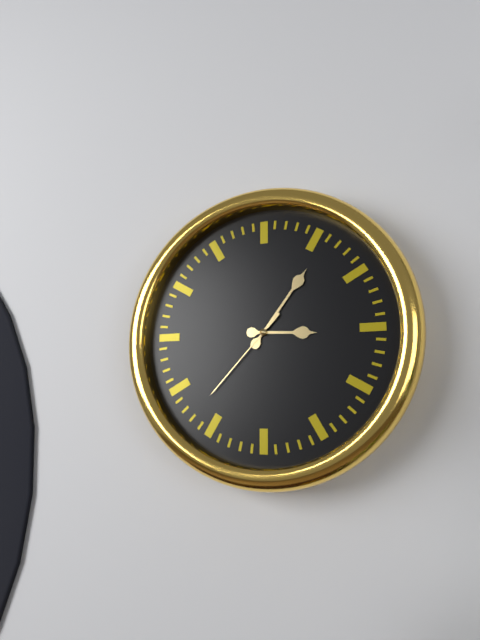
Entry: h=3 m=6 s=37
